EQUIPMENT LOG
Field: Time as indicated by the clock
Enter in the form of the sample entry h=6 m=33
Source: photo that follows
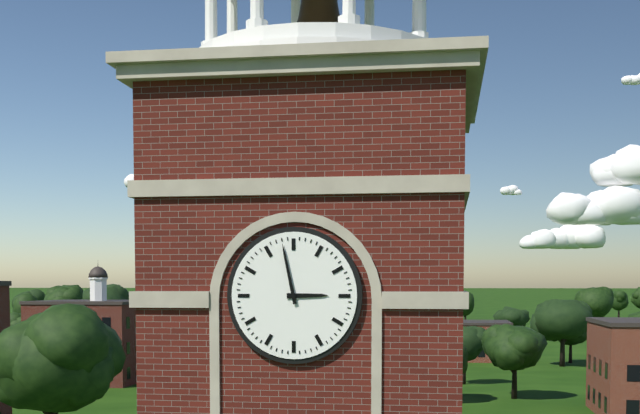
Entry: h=2 m=58
